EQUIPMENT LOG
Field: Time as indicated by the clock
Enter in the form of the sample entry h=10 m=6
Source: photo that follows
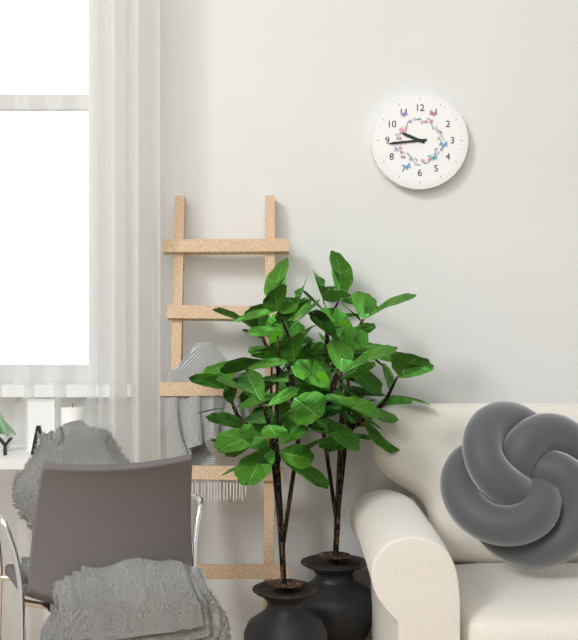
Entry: h=9 m=44
